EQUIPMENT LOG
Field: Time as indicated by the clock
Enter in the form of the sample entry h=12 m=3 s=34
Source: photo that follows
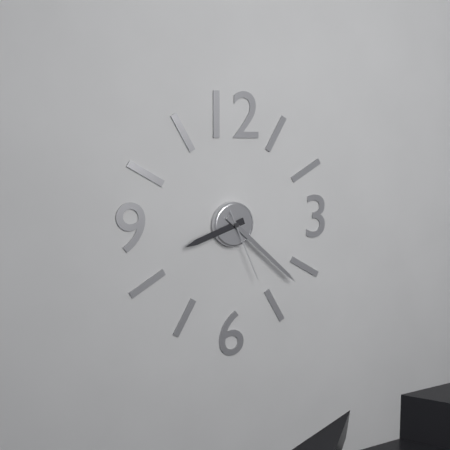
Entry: h=8 m=22 s=26
